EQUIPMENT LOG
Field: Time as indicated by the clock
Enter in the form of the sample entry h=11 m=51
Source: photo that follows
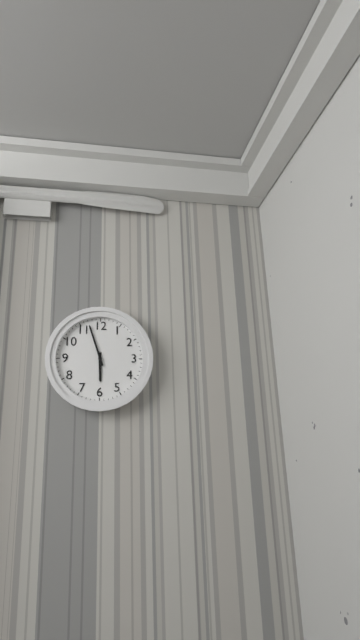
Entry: h=5 m=57
